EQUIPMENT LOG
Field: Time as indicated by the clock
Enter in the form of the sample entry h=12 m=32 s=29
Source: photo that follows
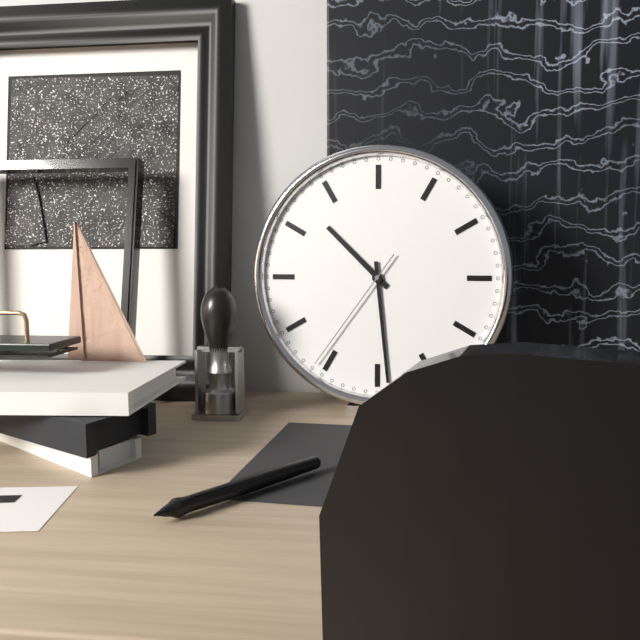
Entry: h=10 m=29 s=36
